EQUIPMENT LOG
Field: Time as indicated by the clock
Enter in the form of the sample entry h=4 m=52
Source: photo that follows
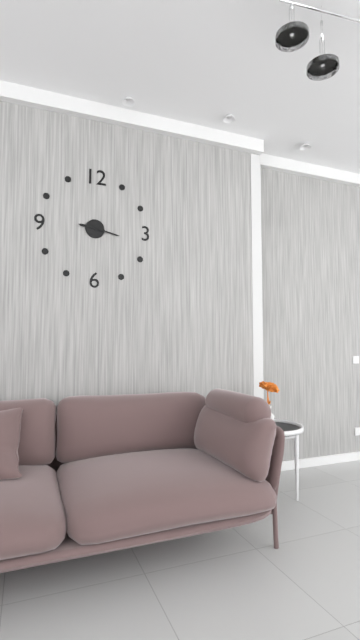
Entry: h=9 m=17
